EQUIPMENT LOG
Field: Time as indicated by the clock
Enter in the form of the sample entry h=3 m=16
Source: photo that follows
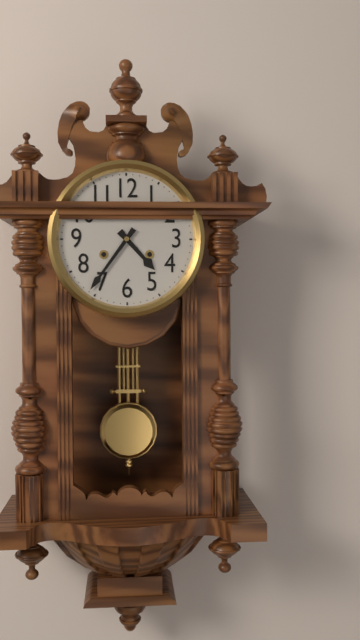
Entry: h=4 m=36
